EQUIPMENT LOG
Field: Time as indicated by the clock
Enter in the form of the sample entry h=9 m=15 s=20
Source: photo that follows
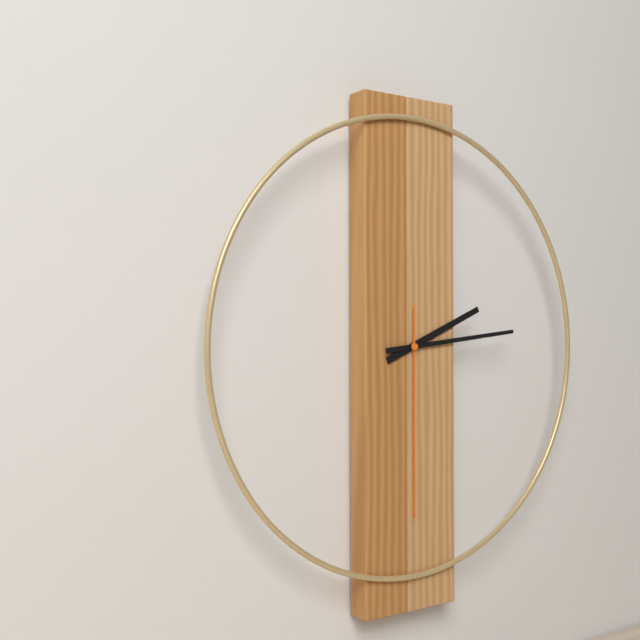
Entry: h=2 m=14 s=30
